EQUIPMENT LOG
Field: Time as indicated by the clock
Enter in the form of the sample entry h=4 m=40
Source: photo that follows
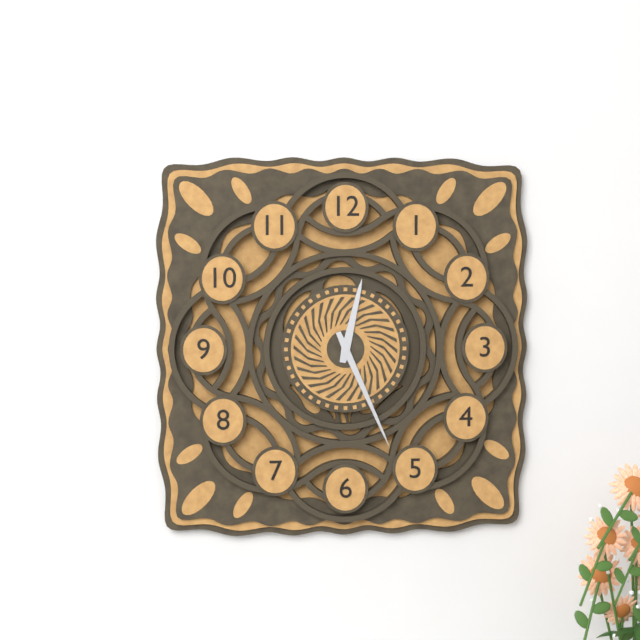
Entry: h=12 m=26
